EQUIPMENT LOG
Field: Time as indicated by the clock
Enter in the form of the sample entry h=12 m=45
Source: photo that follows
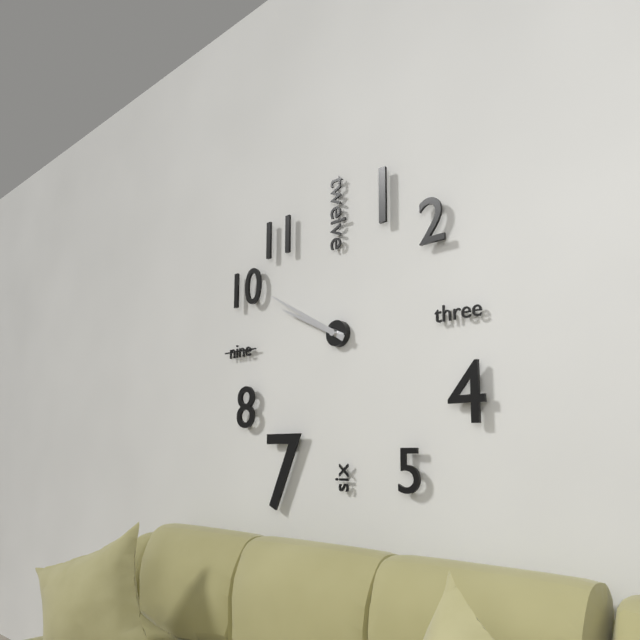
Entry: h=9 m=50
